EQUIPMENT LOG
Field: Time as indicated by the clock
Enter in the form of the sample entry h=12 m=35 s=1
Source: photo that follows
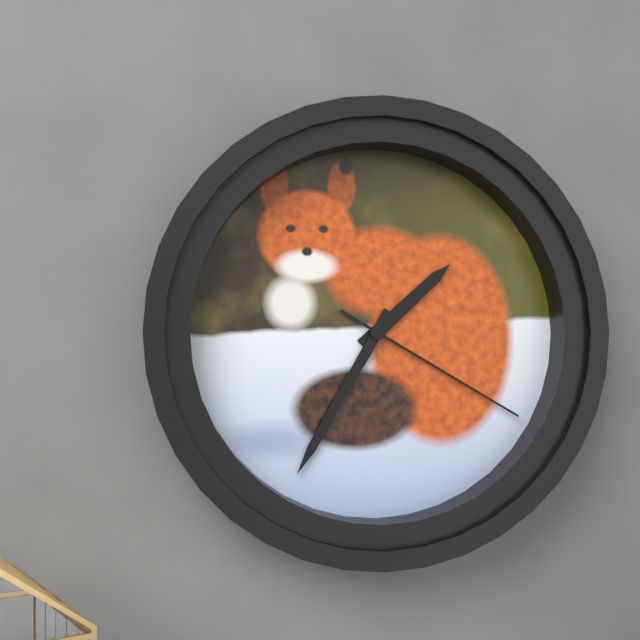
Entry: h=1 m=35 s=20
